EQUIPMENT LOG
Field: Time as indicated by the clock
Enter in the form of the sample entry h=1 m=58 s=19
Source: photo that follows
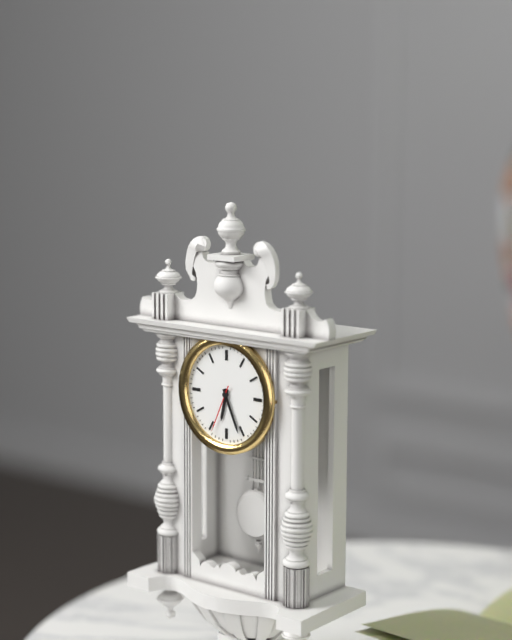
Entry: h=6 m=26 s=34
